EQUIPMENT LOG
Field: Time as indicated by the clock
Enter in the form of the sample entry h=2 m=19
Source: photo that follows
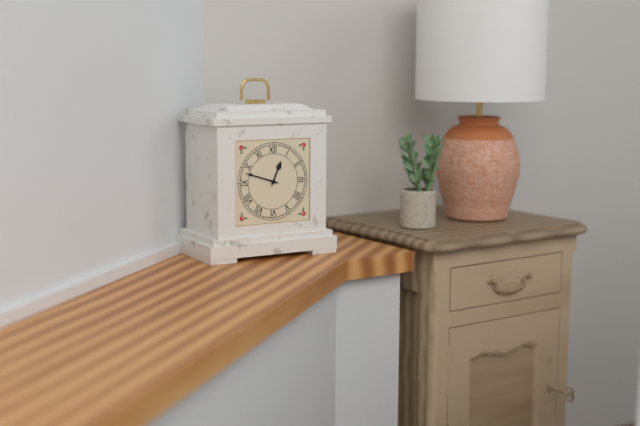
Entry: h=12 m=48
